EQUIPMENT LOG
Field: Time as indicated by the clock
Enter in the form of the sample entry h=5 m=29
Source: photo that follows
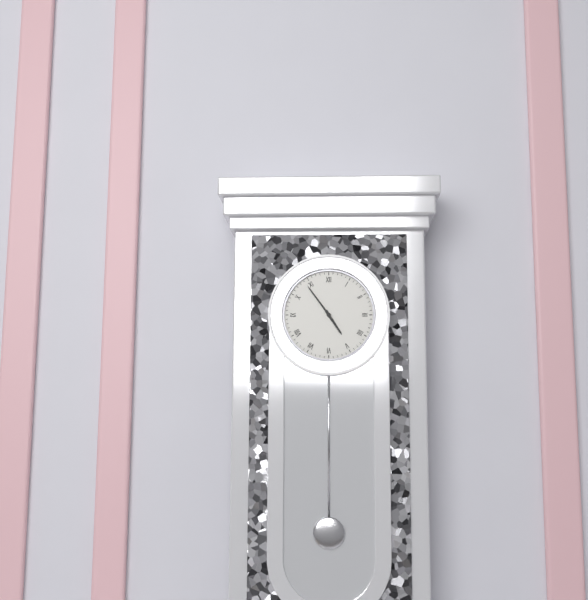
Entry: h=4 m=54
